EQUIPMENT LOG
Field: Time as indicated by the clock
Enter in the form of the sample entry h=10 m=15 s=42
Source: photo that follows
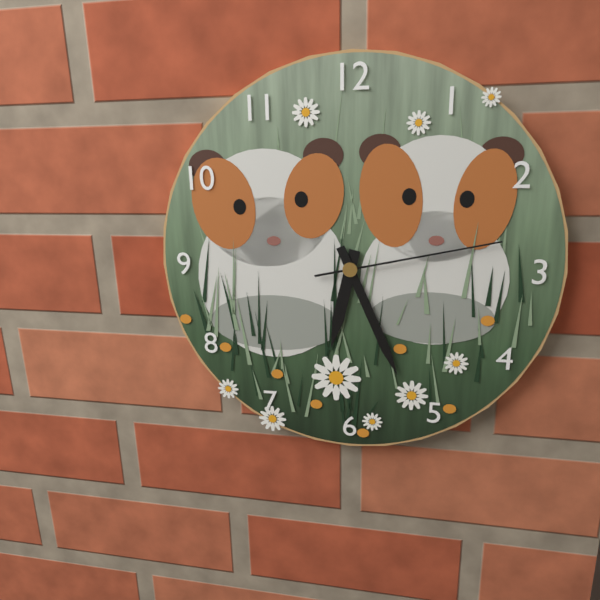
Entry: h=6 m=26 s=13
